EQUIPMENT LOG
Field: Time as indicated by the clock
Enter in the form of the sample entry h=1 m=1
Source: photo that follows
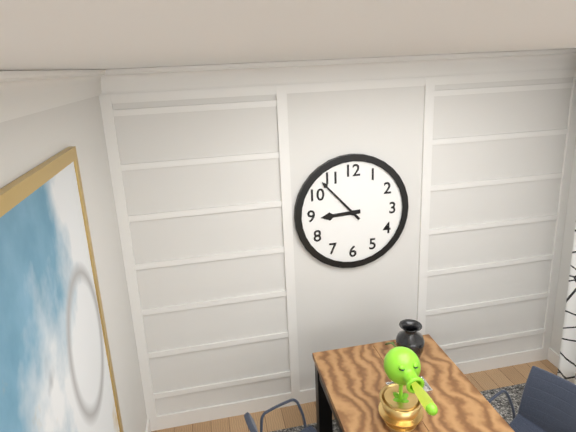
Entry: h=8 m=53
